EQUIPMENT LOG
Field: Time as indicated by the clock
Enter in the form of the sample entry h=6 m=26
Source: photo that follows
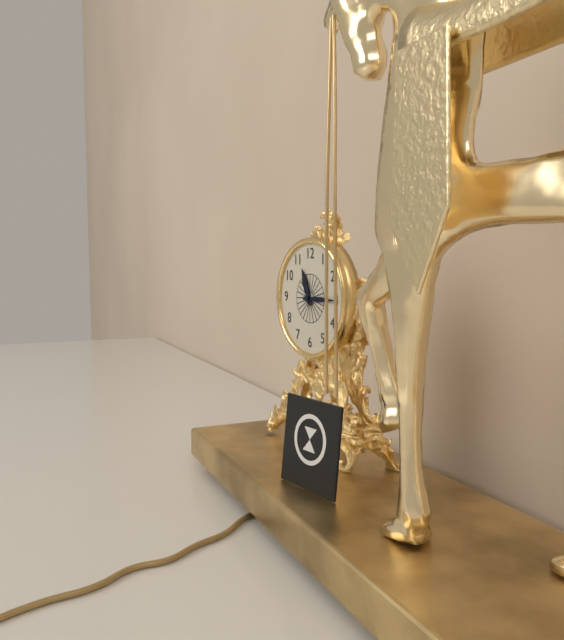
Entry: h=11 m=15
